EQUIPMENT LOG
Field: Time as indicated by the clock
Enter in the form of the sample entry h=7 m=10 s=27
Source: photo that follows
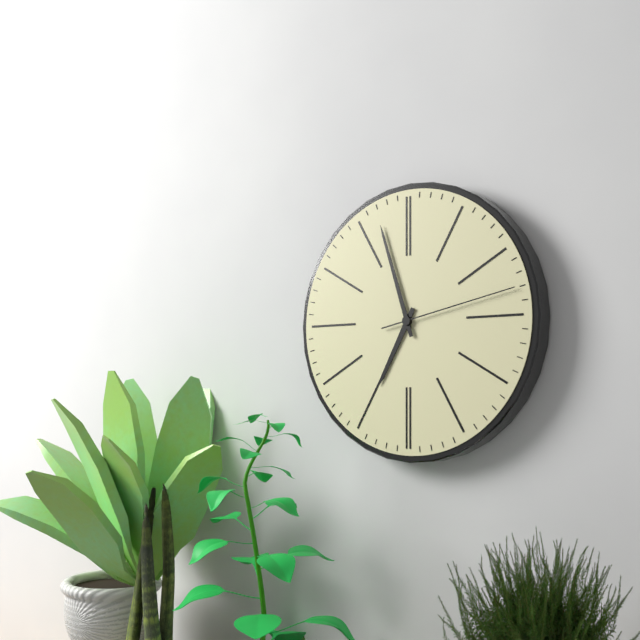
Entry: h=6 m=57 s=13
